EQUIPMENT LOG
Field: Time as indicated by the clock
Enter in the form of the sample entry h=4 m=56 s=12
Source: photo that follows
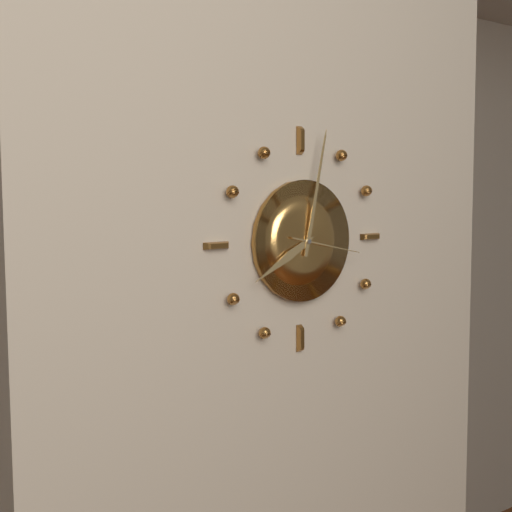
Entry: h=8 m=2 s=17
